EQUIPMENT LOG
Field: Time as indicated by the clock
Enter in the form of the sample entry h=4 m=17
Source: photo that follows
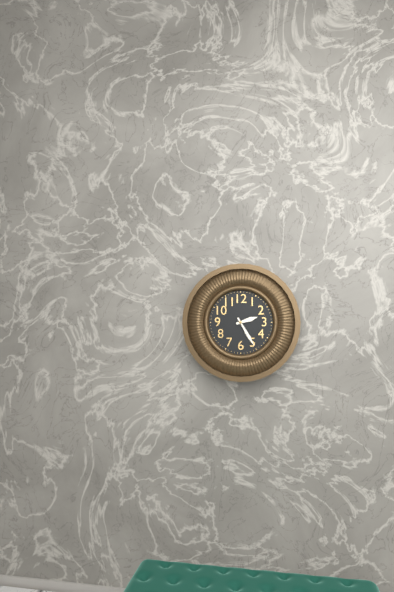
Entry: h=2 m=25
